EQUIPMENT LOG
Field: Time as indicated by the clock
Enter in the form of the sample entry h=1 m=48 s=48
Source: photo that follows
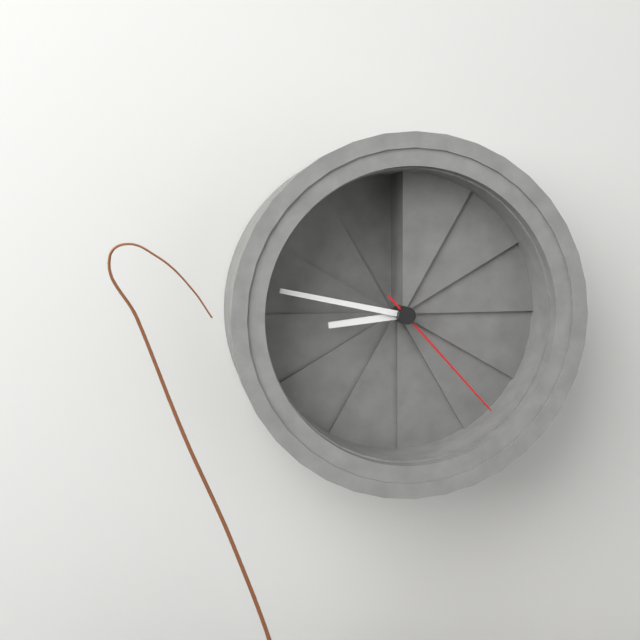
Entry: h=8 m=47 s=23
